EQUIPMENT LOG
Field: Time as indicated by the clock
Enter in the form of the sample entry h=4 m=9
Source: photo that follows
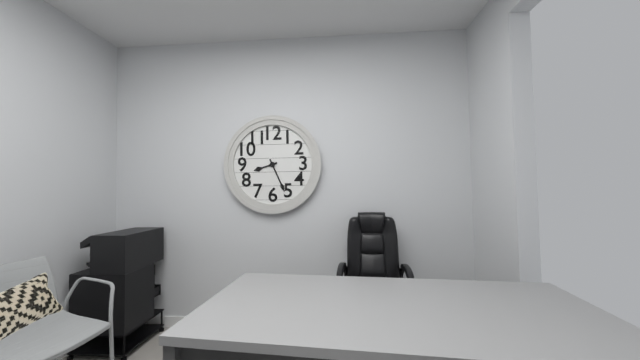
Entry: h=8 m=26
